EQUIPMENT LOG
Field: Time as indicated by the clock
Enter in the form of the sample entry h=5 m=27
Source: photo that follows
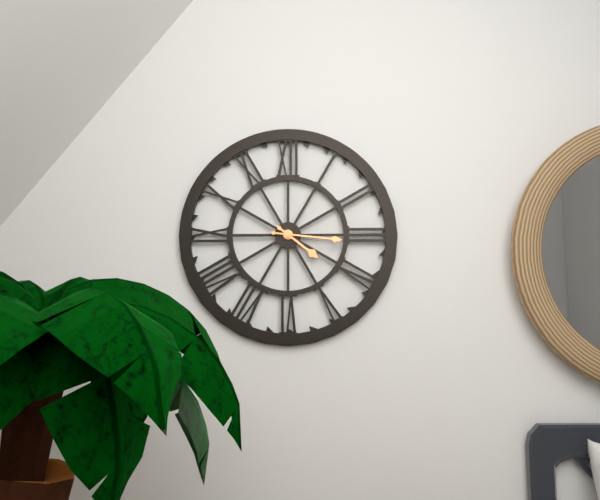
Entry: h=4 m=16
